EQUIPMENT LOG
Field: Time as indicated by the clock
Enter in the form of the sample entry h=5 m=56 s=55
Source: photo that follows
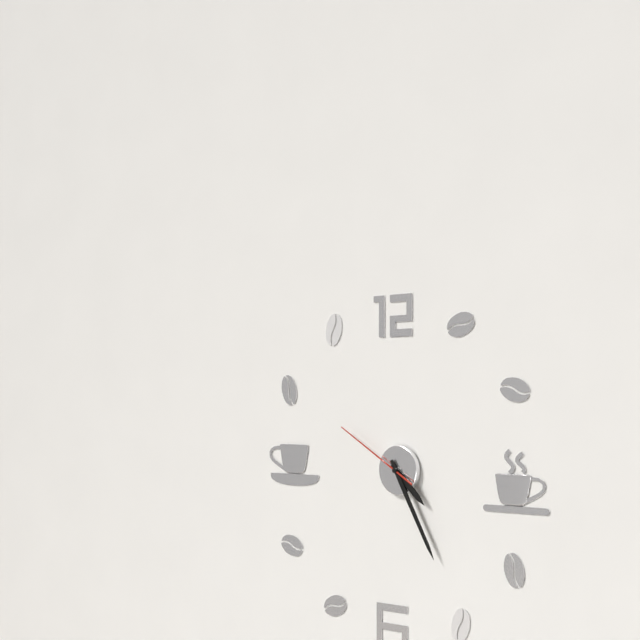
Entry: h=4 m=25 s=50
